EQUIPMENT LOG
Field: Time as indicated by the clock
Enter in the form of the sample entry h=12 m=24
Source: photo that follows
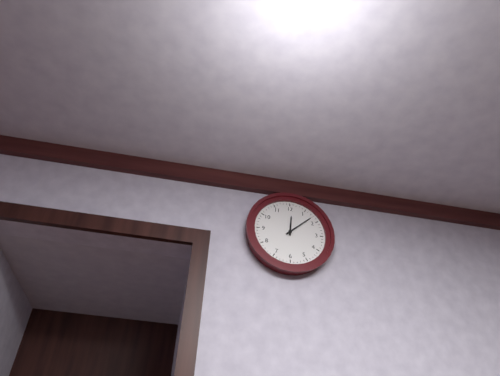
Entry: h=12 m=8
